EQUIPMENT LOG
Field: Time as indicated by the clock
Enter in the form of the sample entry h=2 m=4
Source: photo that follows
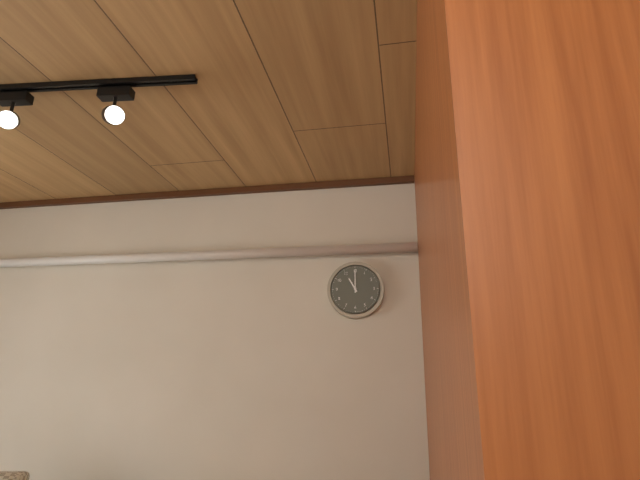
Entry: h=11 m=0
